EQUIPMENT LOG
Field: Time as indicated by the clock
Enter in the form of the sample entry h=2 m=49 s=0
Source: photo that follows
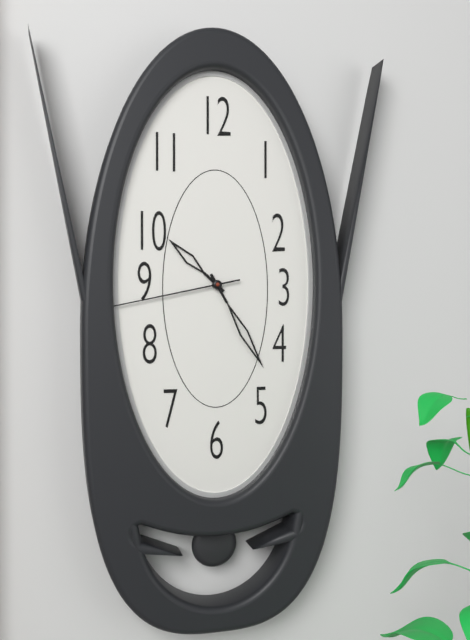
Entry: h=10 m=25 s=43
